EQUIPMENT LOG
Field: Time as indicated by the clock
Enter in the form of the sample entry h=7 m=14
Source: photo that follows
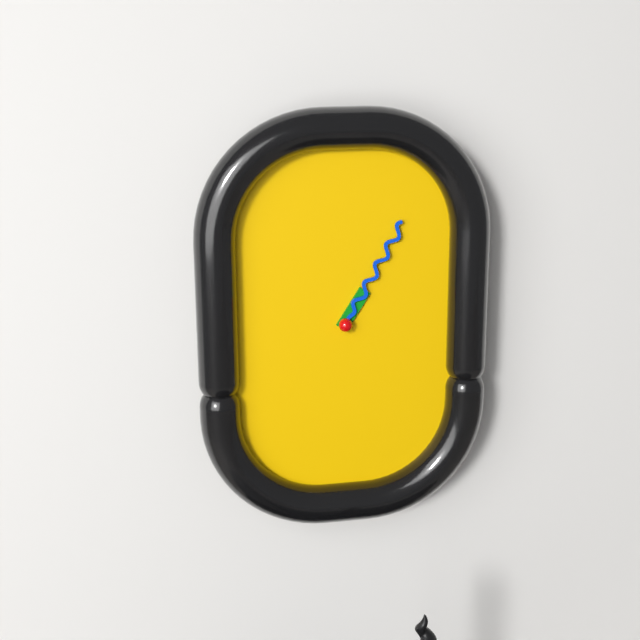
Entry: h=1 m=5
